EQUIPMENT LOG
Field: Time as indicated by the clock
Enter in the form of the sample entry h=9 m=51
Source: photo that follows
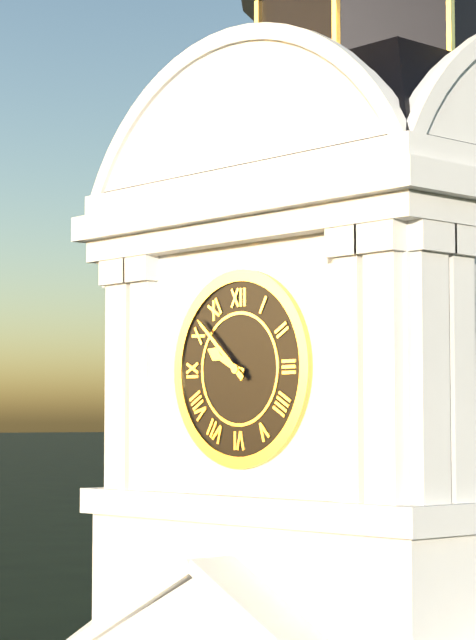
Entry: h=9 m=52
